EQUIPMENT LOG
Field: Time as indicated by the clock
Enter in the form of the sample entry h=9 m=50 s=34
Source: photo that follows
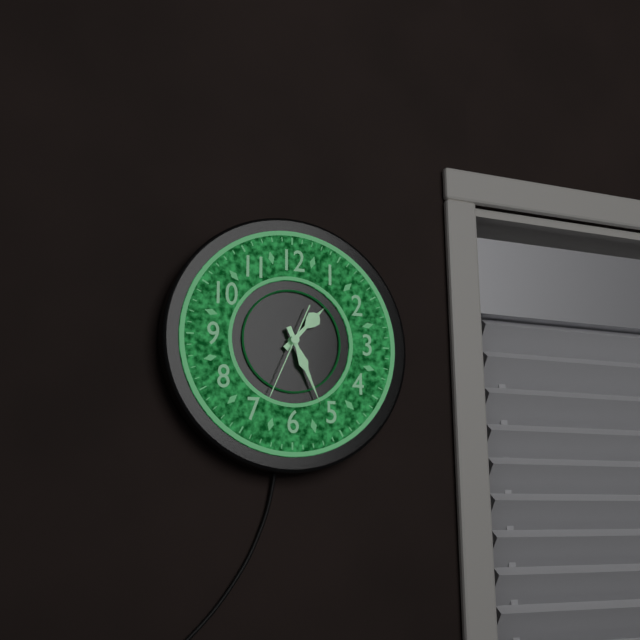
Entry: h=1 m=26 s=34
